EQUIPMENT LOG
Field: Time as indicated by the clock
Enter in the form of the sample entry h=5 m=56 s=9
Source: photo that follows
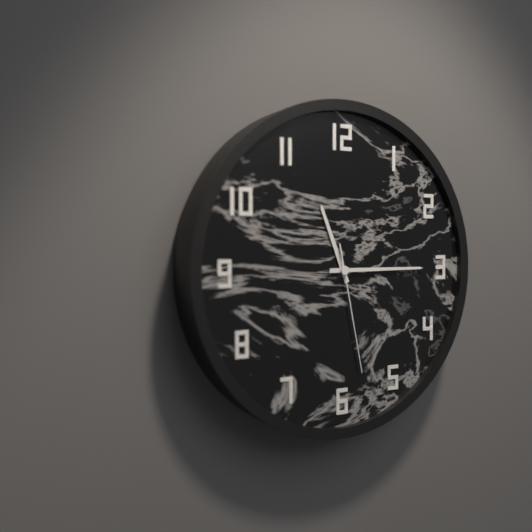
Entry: h=11 m=15 s=28
